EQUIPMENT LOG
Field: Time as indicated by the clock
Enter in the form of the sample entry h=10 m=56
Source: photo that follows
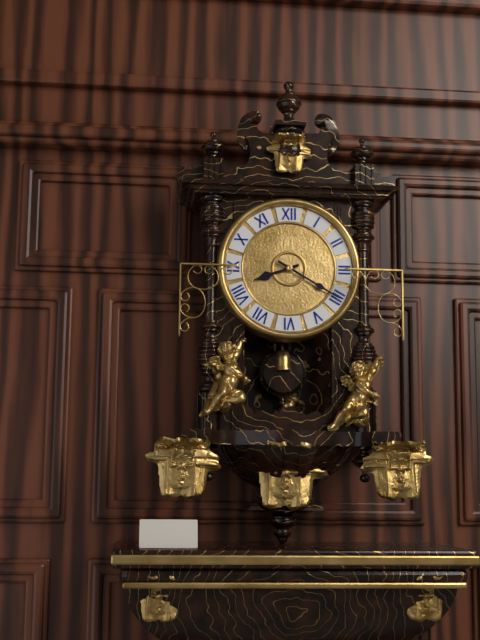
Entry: h=8 m=20
